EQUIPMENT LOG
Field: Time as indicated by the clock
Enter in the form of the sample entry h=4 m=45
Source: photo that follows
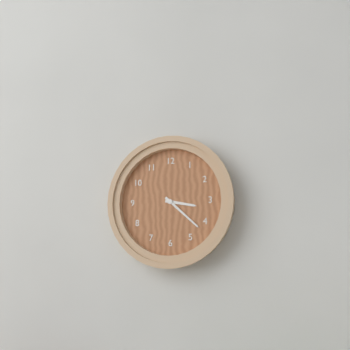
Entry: h=3 m=22
